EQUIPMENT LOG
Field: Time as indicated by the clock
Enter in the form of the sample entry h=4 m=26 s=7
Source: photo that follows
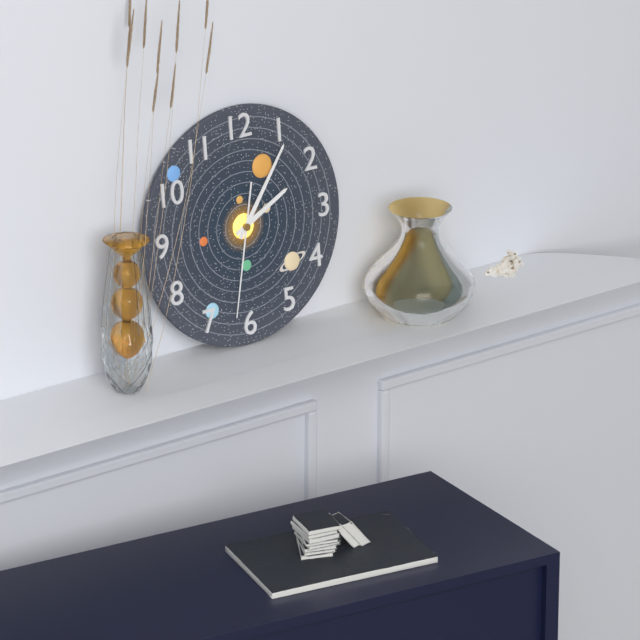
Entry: h=2 m=6 s=32
